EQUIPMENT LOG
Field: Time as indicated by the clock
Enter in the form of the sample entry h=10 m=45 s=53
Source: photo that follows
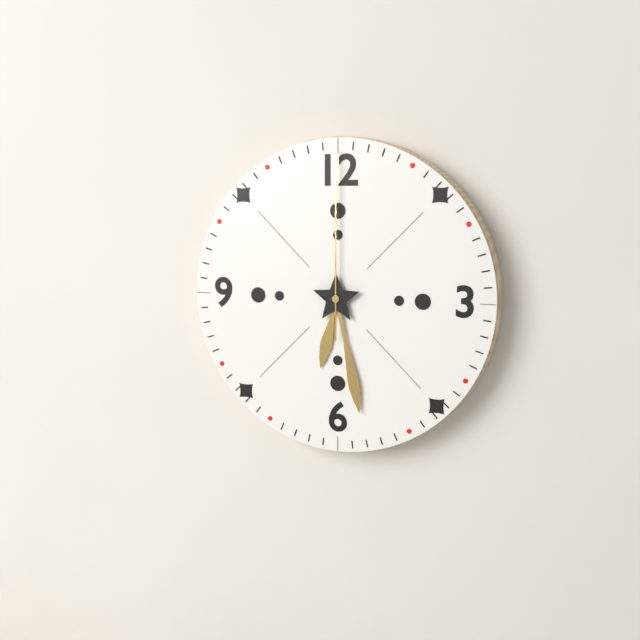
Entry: h=6 m=28 s=0
